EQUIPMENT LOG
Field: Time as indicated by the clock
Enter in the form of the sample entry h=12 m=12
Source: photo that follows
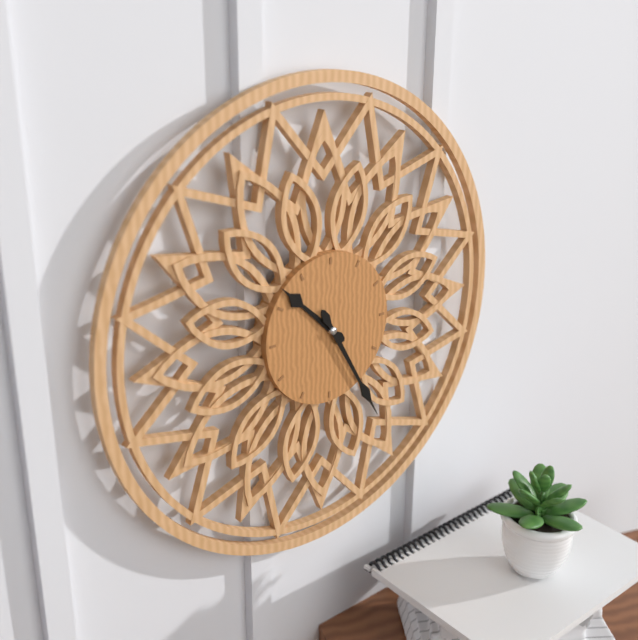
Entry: h=10 m=25
